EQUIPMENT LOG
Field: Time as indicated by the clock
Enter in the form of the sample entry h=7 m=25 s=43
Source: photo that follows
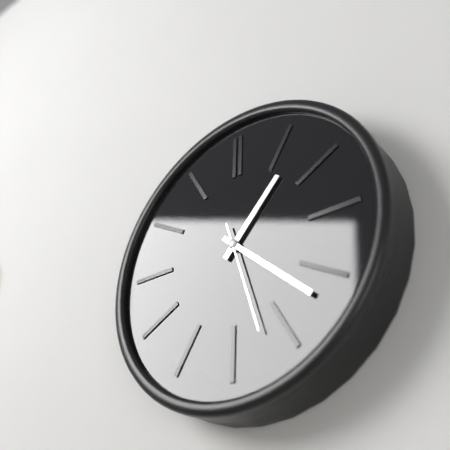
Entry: h=1 m=22 s=27
